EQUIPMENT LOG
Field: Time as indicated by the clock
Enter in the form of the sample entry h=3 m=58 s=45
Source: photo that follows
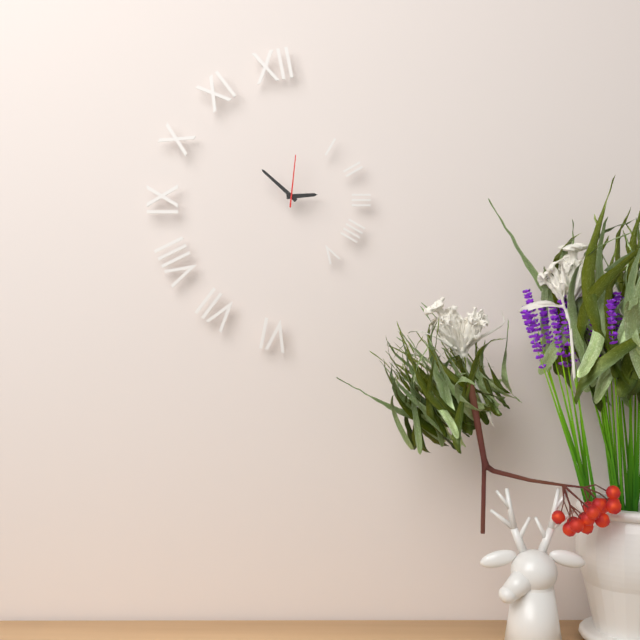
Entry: h=2 m=52 s=1
